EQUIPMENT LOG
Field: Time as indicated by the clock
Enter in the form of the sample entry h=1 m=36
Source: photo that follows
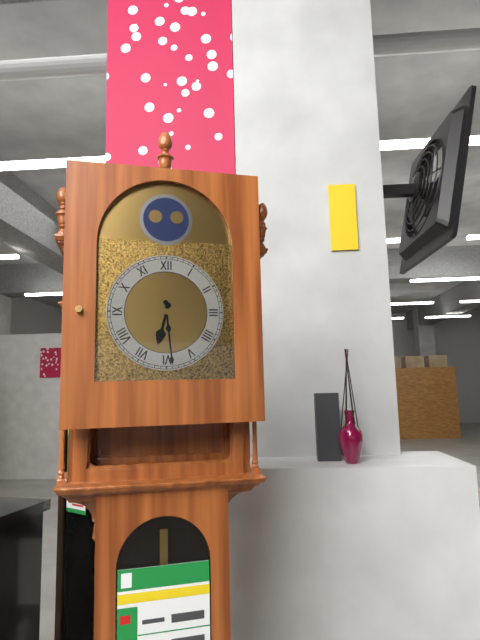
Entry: h=6 m=29
